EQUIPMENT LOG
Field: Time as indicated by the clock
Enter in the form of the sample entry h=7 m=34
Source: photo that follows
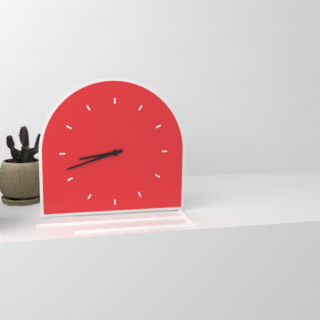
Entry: h=8 m=42
